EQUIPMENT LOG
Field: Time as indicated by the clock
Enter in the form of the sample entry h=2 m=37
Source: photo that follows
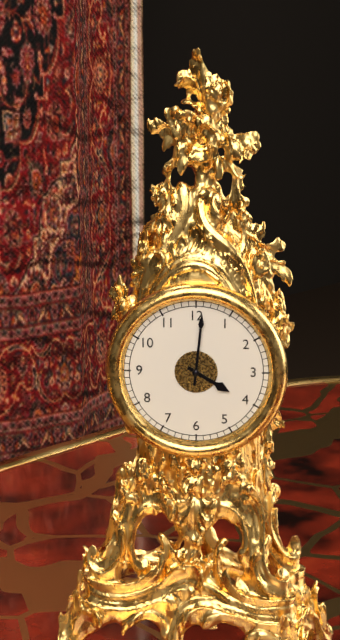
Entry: h=4 m=1
